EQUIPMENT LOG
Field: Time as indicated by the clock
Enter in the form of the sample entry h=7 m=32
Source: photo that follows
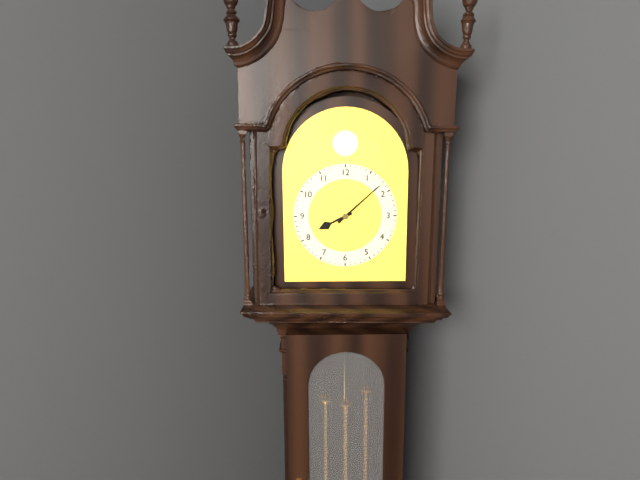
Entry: h=8 m=8
